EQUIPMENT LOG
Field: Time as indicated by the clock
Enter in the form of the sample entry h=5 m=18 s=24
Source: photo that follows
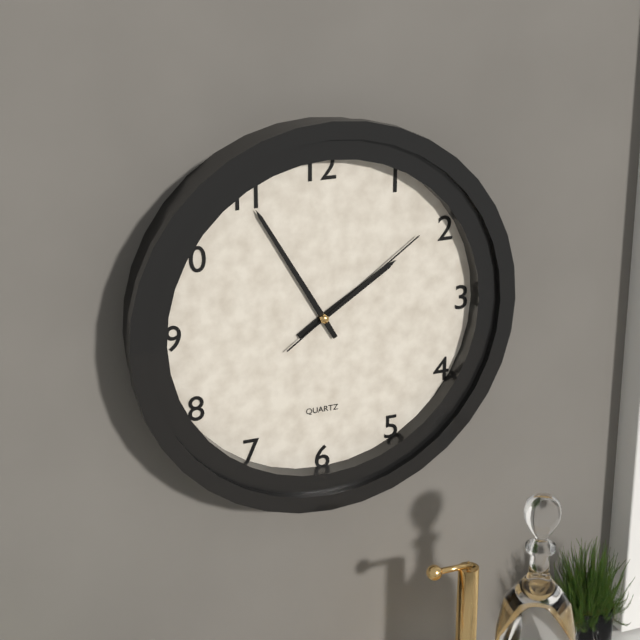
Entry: h=1 m=55 s=9
